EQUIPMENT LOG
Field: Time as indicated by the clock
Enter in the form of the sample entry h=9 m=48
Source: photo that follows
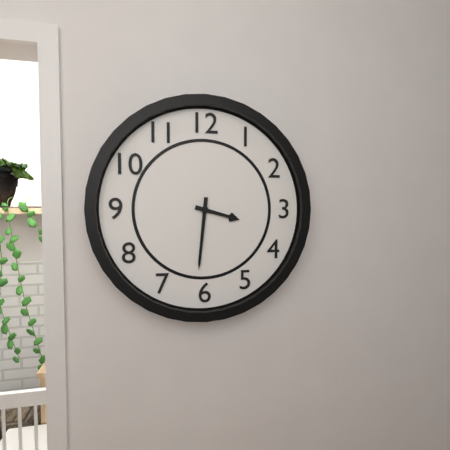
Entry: h=3 m=31
